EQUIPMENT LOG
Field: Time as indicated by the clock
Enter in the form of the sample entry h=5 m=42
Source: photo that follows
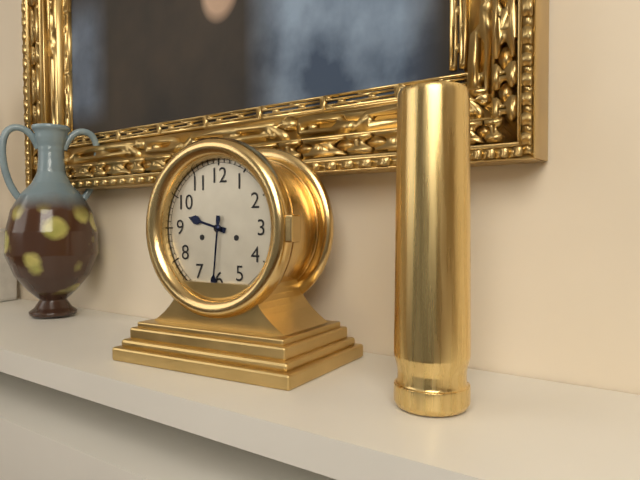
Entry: h=9 m=31
